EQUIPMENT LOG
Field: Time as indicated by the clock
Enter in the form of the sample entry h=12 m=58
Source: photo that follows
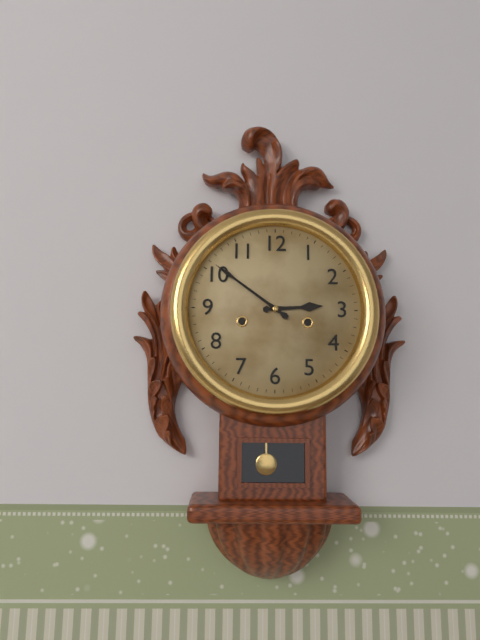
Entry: h=2 m=51
